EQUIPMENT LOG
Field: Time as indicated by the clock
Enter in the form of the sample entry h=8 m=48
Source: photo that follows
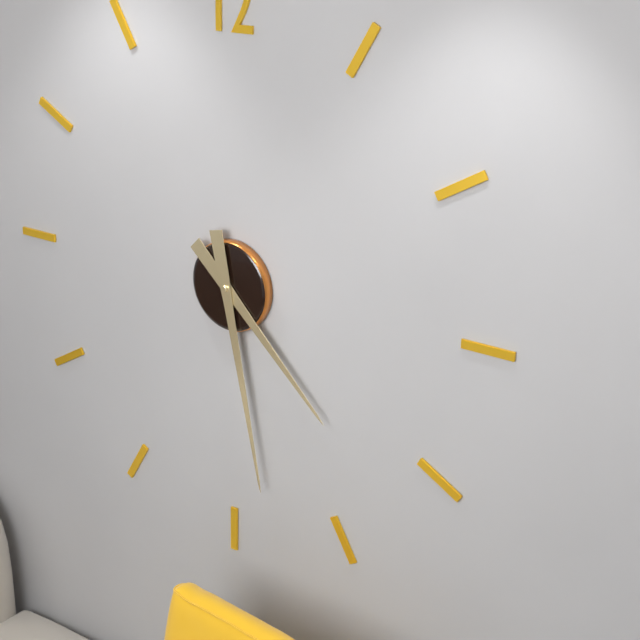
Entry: h=4 m=28
